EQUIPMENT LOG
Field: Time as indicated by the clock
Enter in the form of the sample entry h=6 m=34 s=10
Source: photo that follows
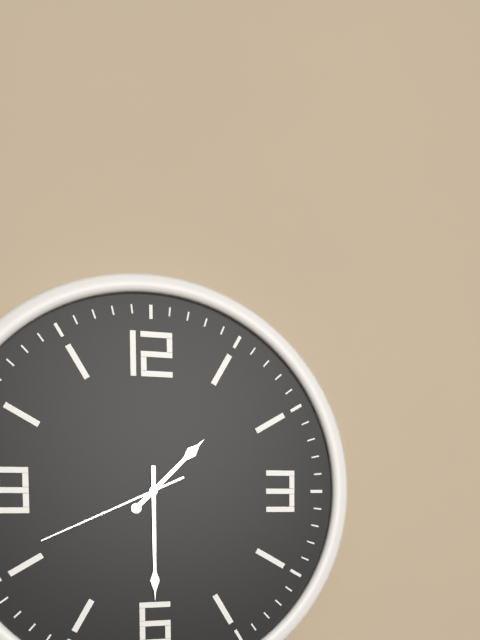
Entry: h=1 m=30 s=41
